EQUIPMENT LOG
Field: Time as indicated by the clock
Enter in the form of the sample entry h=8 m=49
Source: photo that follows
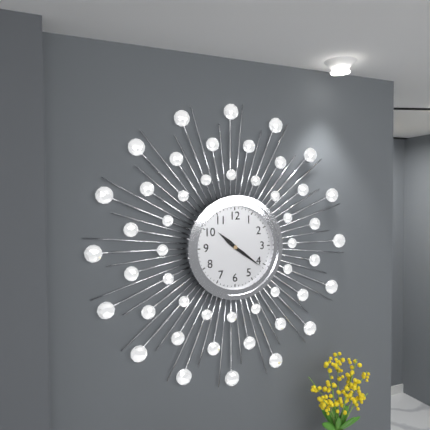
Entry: h=10 m=21
